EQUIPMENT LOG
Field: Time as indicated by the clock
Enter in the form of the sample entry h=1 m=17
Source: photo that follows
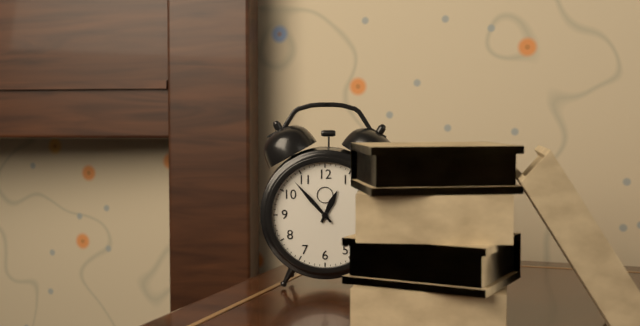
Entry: h=12 m=53
